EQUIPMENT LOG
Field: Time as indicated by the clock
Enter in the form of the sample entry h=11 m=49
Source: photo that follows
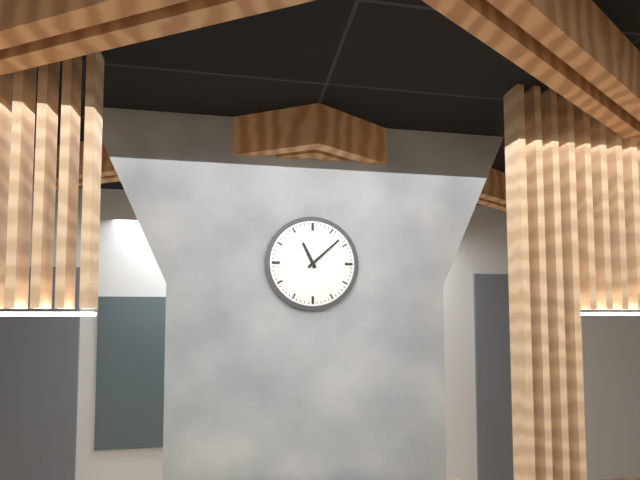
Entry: h=11 m=8
